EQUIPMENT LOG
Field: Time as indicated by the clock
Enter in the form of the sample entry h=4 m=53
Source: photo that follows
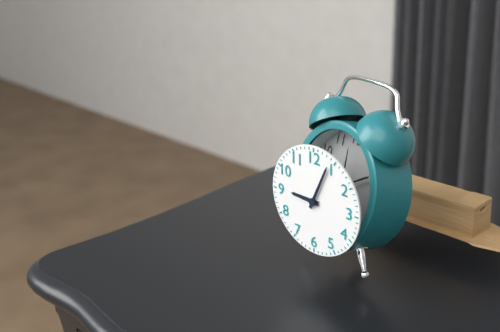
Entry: h=9 m=4
